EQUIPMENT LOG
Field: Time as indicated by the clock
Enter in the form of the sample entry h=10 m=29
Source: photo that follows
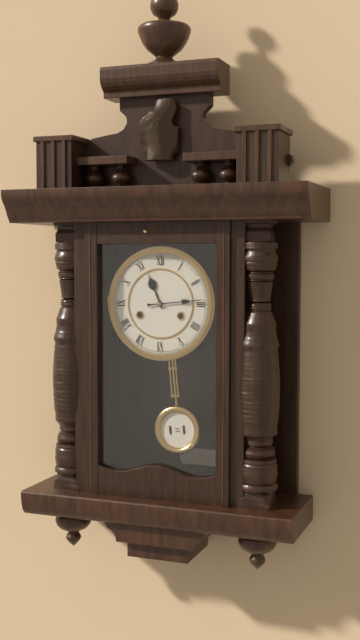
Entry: h=11 m=14
